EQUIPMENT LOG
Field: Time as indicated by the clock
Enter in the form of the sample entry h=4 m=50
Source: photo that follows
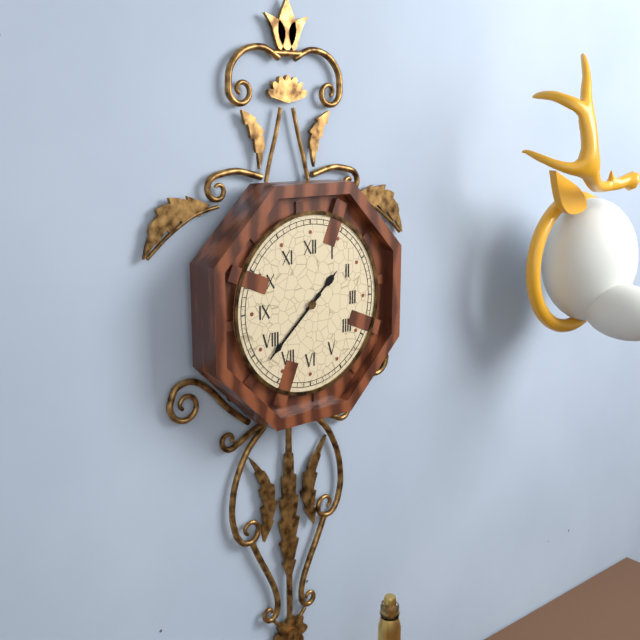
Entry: h=1 m=38
